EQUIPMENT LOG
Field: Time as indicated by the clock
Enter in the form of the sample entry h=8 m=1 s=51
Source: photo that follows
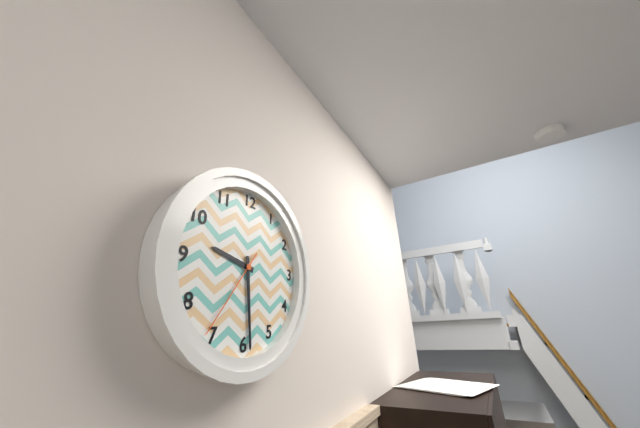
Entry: h=9 m=29 s=36
